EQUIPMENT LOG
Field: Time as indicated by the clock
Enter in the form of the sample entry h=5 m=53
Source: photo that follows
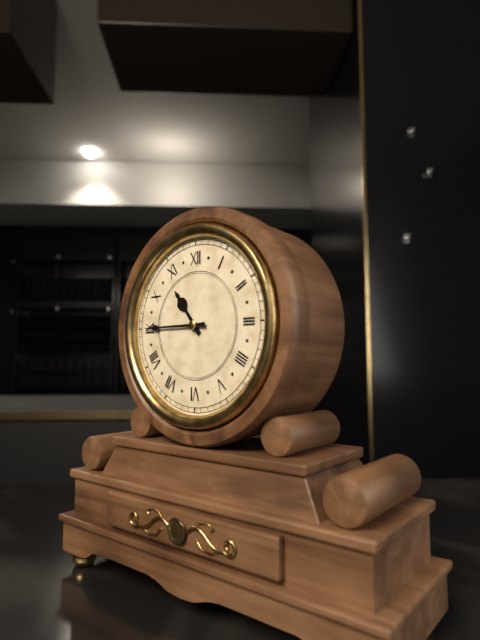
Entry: h=10 m=45
